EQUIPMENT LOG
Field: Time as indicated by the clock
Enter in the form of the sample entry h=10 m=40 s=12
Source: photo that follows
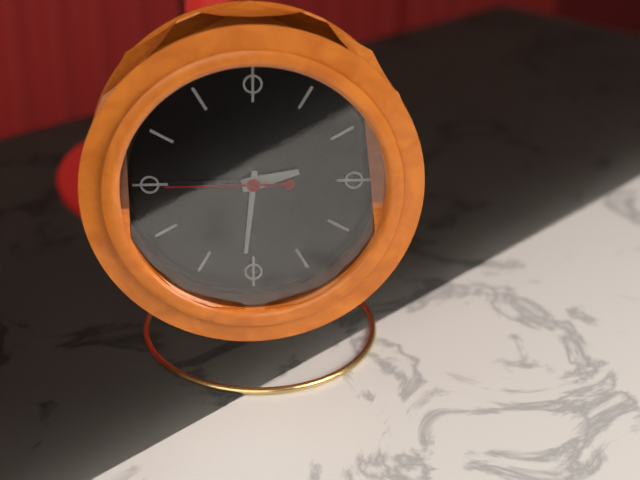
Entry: h=2 m=31 s=45
